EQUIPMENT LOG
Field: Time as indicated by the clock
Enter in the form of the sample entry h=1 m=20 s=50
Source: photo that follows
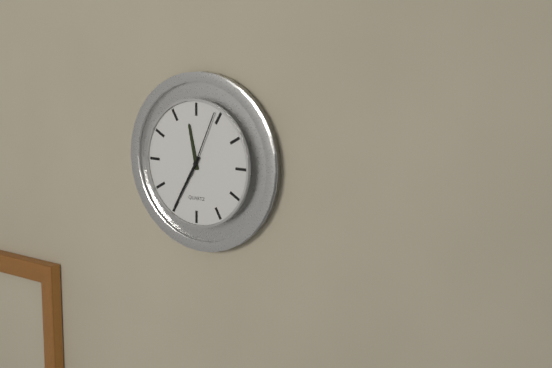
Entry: h=11 m=35 s=4
